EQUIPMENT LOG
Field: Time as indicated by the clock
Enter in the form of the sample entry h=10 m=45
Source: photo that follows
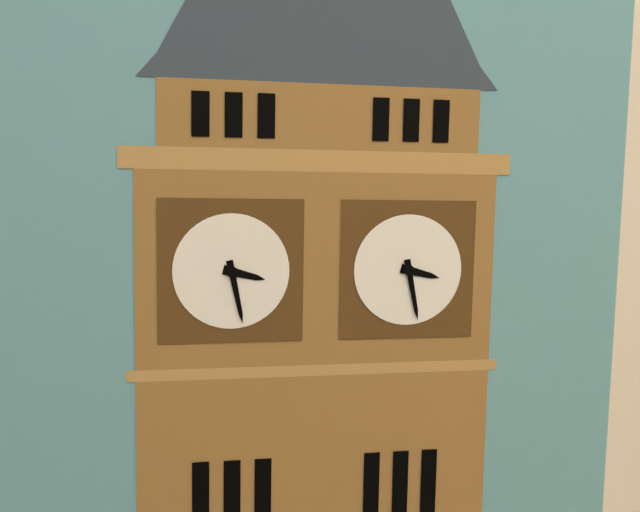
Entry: h=3 m=28
